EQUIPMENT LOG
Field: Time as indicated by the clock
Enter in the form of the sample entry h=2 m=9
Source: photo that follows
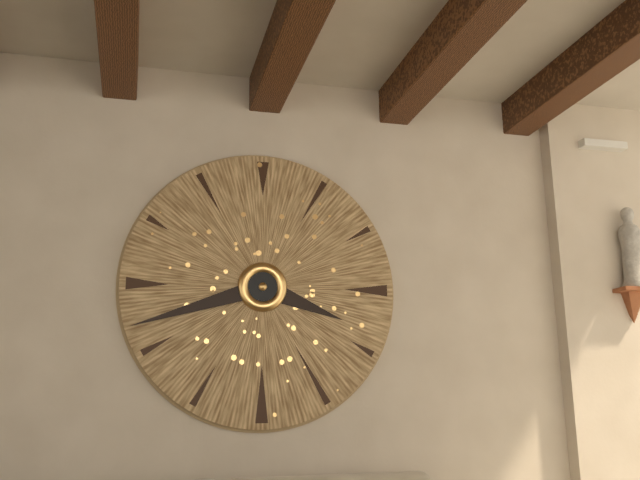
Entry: h=3 m=42
